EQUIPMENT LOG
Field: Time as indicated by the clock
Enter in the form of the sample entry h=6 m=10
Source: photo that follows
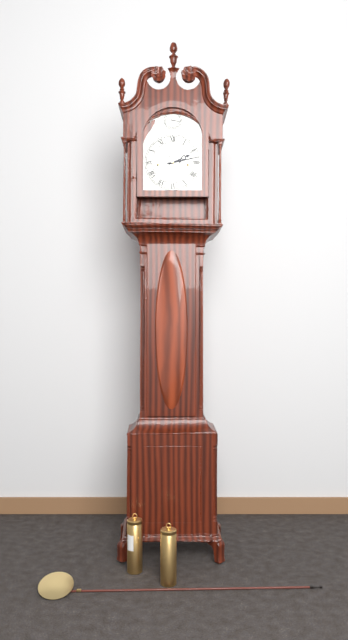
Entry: h=2 m=13
